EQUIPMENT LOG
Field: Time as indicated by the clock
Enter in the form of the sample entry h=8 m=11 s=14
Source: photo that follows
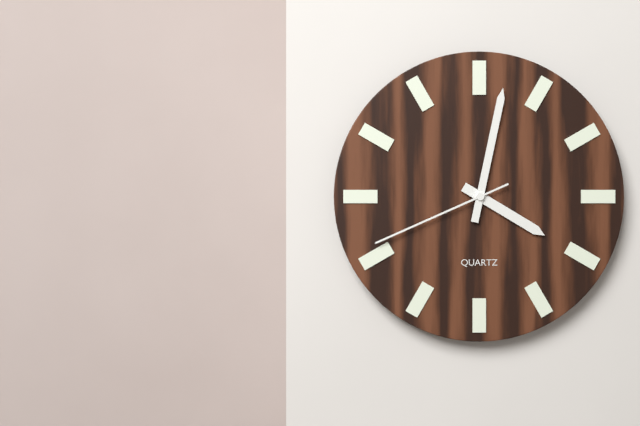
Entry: h=4 m=2 s=41
